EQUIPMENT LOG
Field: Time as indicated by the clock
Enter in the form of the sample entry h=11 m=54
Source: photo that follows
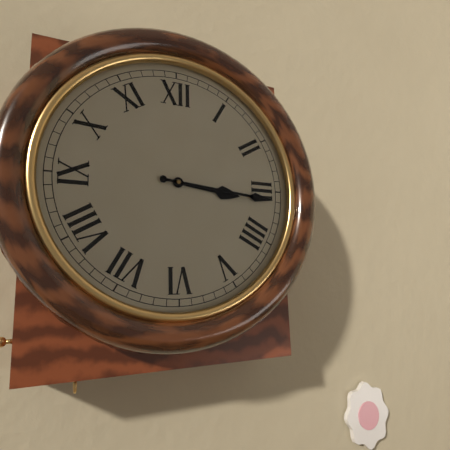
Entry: h=3 m=16
